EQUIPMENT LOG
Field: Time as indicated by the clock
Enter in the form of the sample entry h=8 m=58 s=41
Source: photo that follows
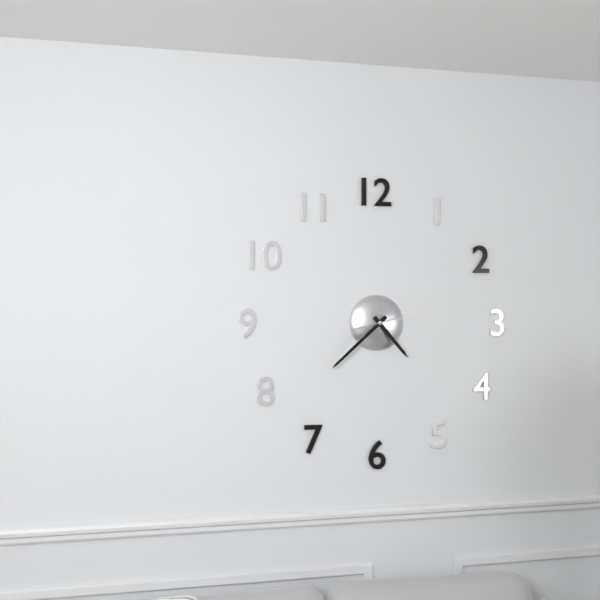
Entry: h=4 m=38 s=13
